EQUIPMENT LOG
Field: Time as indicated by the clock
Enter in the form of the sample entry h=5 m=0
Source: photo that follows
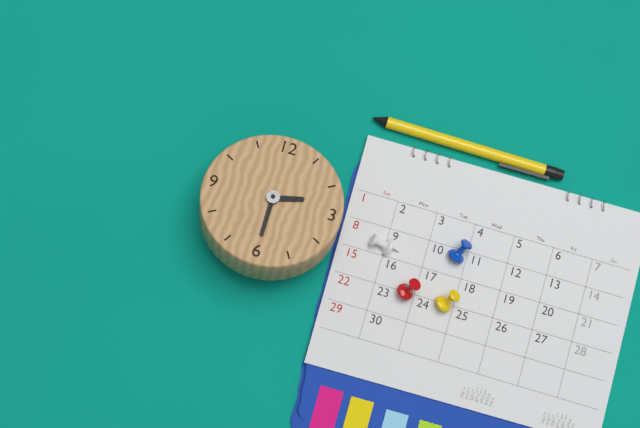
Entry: h=2 m=30
